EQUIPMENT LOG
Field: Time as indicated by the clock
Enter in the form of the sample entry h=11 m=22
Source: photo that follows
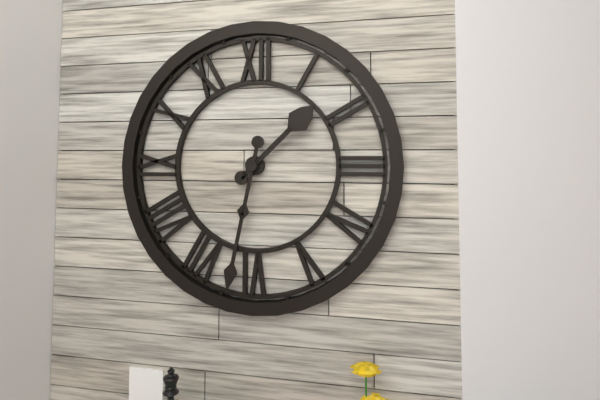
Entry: h=1 m=32
